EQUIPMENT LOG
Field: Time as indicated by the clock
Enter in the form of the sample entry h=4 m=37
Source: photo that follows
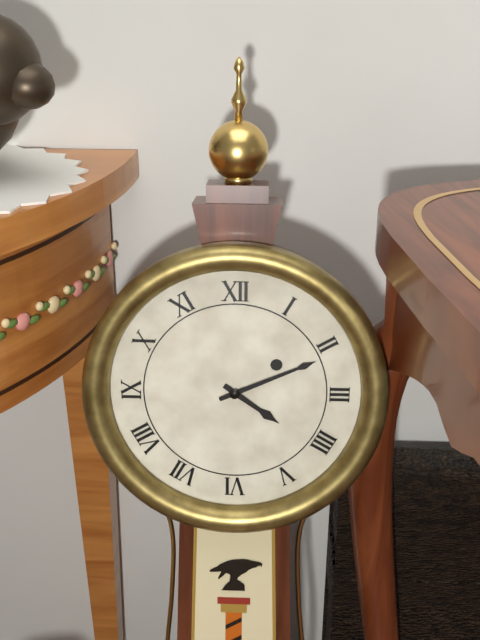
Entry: h=4 m=11
